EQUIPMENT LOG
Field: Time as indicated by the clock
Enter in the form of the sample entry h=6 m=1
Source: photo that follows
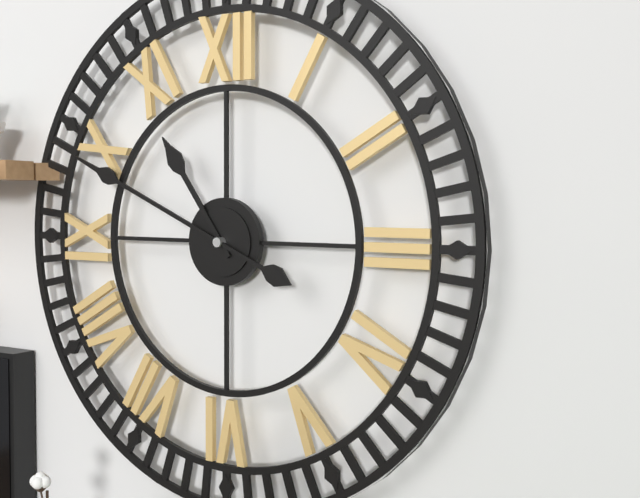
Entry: h=10 m=49
